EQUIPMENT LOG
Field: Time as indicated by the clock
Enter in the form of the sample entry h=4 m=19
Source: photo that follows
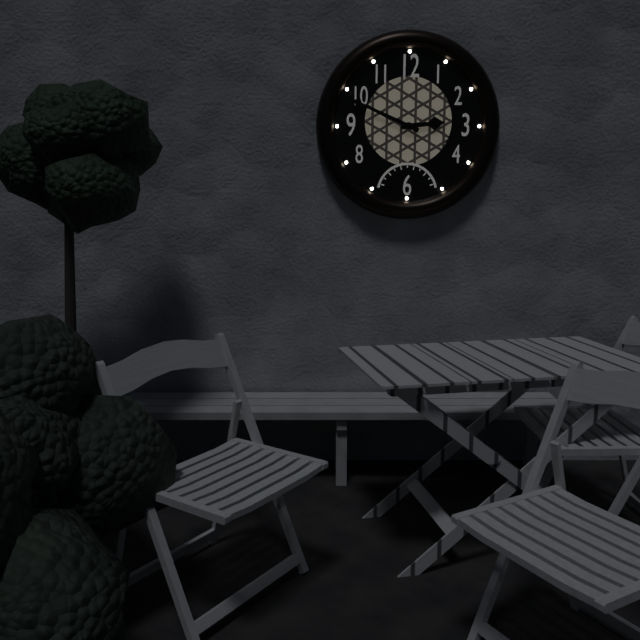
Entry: h=2 m=49
